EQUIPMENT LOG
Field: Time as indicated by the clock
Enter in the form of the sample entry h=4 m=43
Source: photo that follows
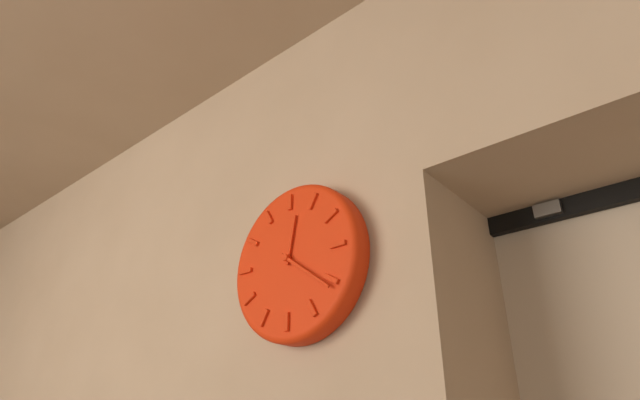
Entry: h=12 m=21
